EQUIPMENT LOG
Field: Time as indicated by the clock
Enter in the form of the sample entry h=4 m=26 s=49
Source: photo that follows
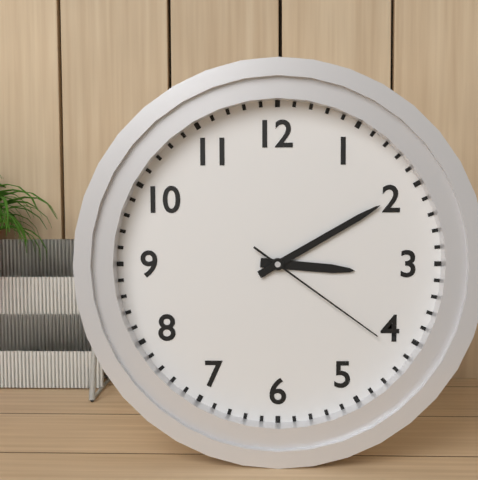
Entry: h=3 m=10 s=21
